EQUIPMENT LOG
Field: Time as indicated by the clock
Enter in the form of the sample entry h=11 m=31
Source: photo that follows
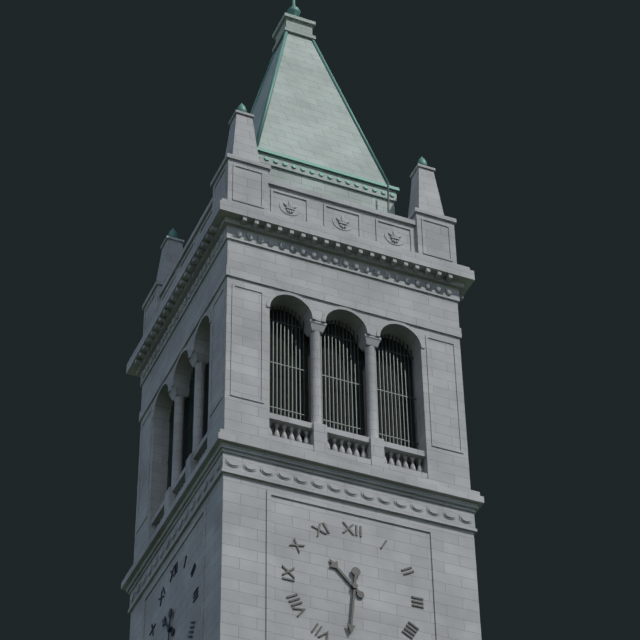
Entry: h=10 m=31
